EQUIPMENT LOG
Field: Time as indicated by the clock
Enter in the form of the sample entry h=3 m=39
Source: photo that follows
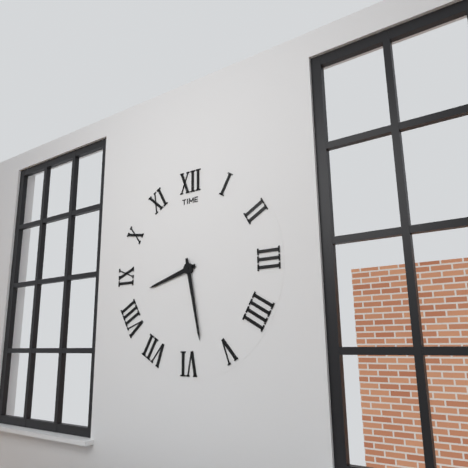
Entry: h=8 m=28
